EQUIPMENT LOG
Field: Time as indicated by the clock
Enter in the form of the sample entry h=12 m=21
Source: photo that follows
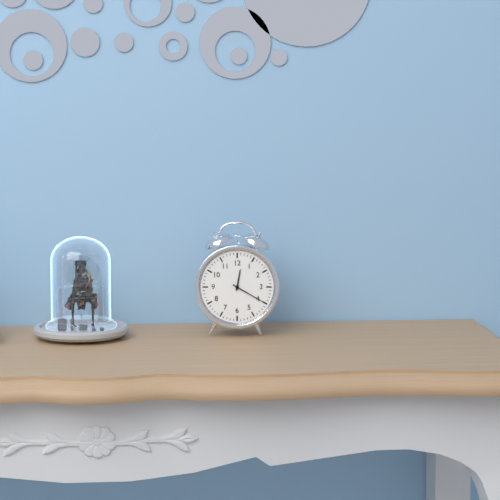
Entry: h=12 m=20
